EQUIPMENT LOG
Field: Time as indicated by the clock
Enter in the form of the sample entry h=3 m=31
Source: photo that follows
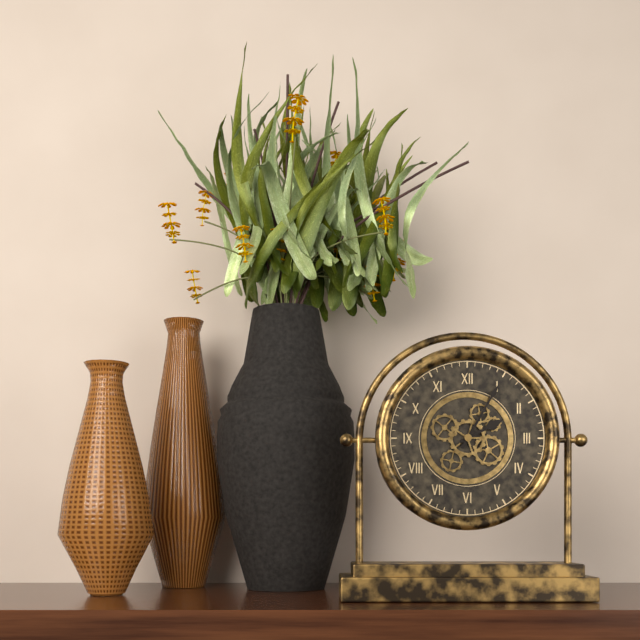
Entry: h=2 m=5
